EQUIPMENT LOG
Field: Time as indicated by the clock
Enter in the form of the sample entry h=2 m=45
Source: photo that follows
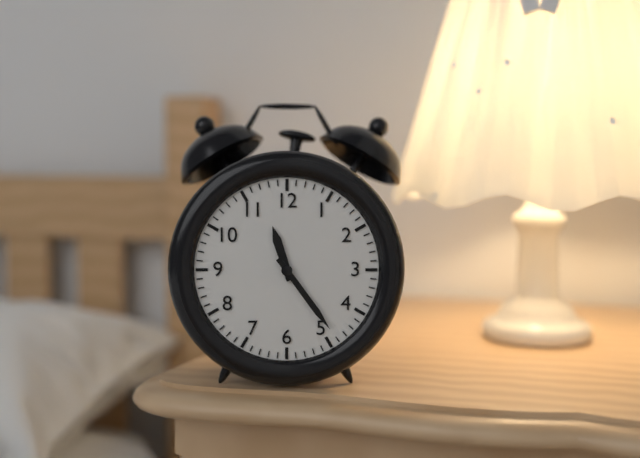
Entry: h=11 m=24
